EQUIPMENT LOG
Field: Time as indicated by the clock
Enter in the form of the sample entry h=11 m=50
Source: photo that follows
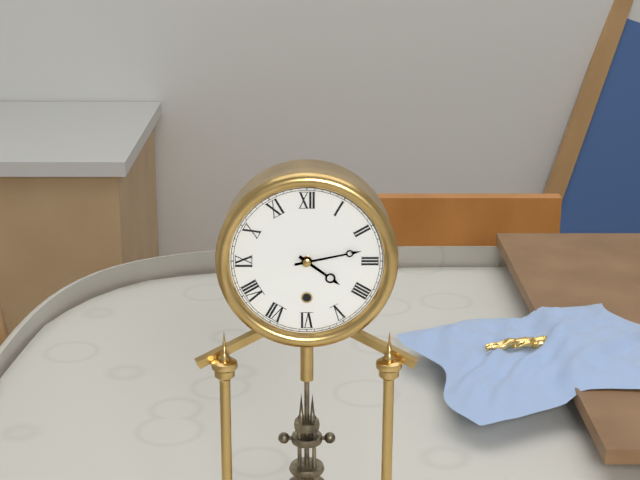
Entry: h=4 m=13
